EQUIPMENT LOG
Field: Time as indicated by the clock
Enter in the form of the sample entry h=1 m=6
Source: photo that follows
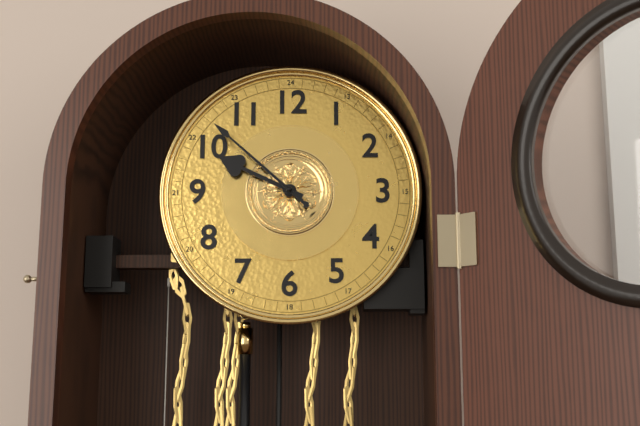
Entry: h=9 m=52
